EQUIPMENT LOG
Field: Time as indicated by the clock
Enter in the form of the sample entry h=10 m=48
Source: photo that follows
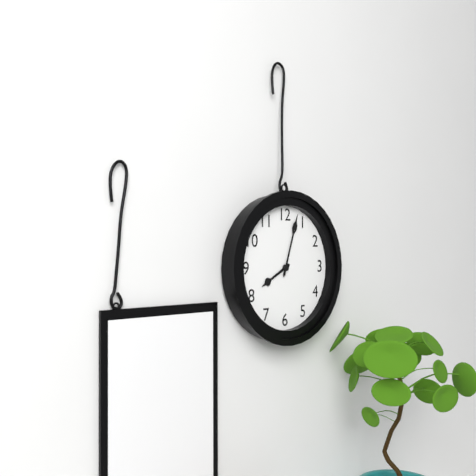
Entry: h=8 m=3
